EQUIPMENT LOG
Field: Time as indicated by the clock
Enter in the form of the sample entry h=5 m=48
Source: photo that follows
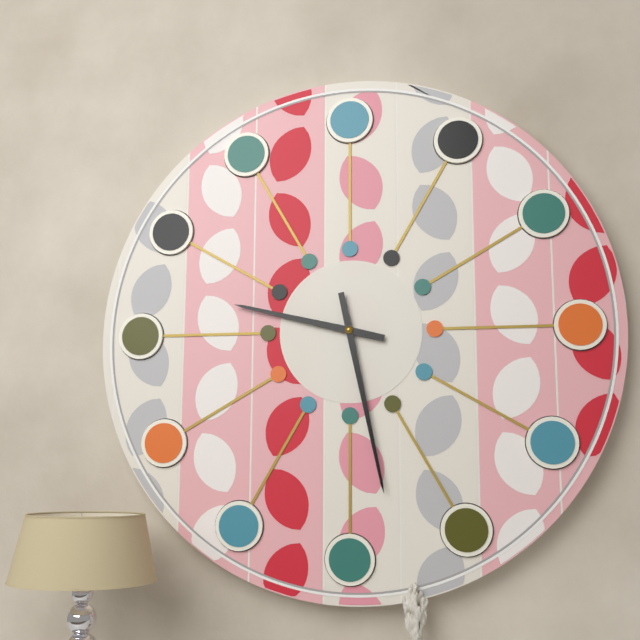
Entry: h=9 m=28
